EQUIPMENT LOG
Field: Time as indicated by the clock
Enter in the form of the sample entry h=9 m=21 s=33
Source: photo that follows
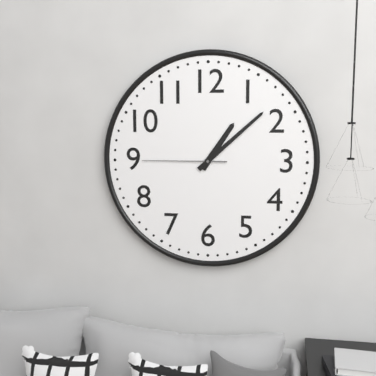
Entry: h=1 m=8 s=45
